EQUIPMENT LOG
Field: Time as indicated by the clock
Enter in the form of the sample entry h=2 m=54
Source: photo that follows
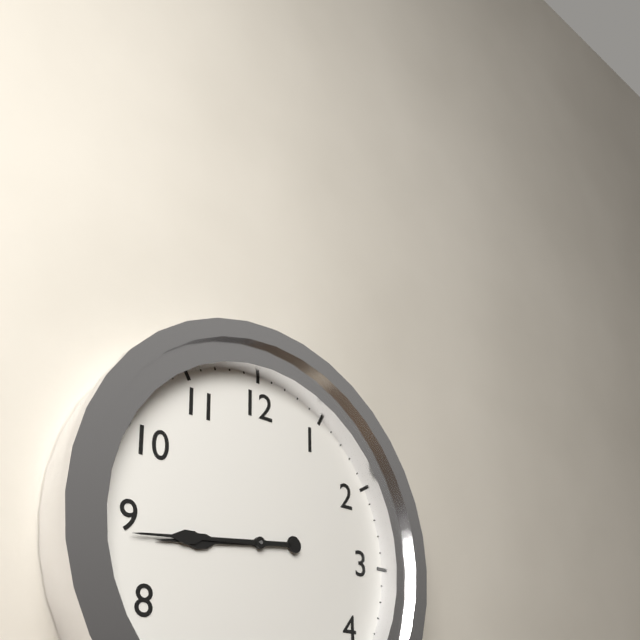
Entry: h=8 m=44
